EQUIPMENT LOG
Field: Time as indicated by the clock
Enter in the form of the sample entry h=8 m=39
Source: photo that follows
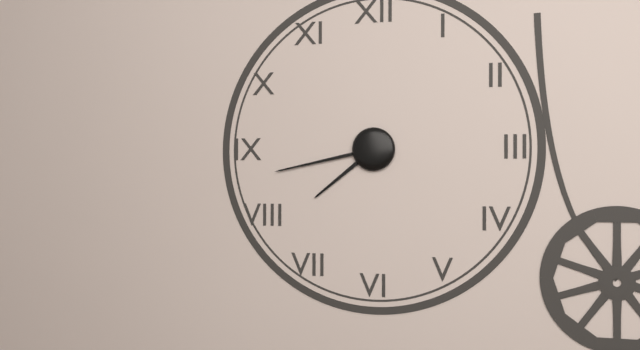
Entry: h=7 m=43
